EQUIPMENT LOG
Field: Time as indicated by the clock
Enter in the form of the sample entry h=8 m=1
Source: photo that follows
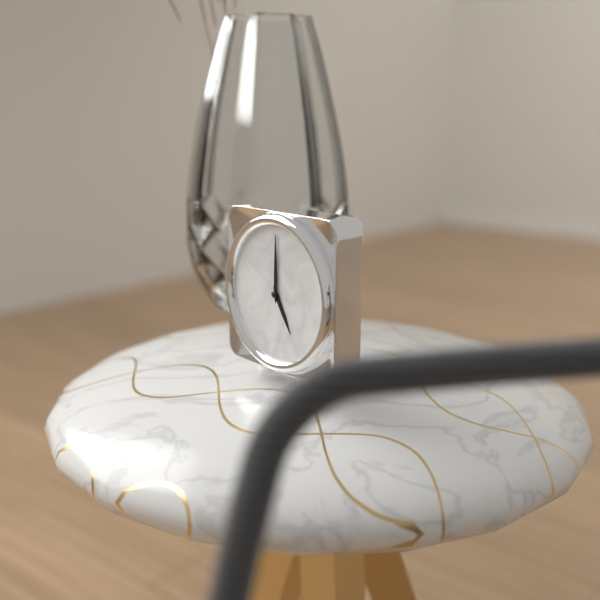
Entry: h=5 m=0
